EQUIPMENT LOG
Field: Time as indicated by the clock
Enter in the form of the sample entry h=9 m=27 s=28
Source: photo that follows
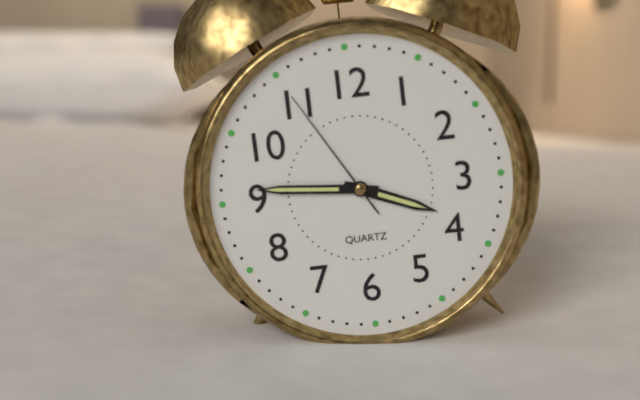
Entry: h=3 m=46 s=55
